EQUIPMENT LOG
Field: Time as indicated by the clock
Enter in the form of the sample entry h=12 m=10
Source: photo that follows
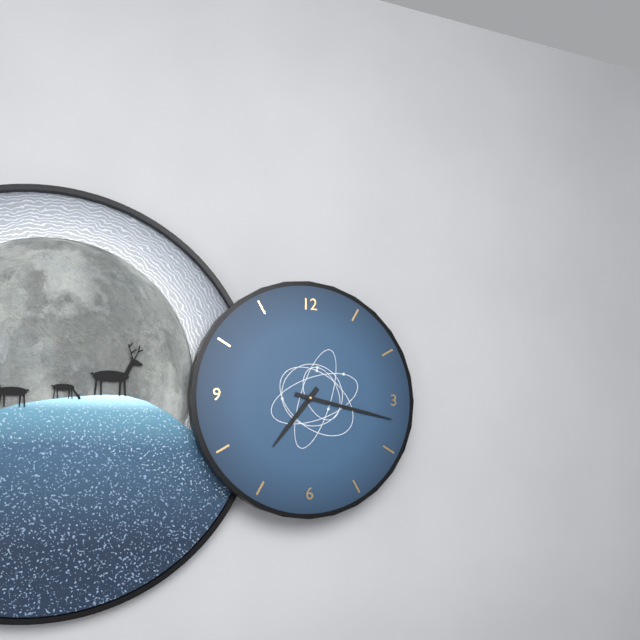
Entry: h=7 m=17
